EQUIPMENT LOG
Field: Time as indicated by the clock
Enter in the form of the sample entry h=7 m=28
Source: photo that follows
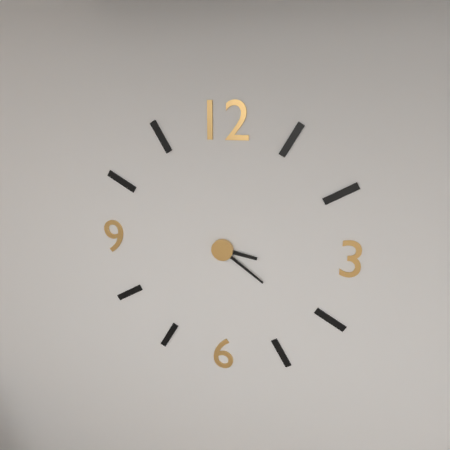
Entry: h=3 m=21
